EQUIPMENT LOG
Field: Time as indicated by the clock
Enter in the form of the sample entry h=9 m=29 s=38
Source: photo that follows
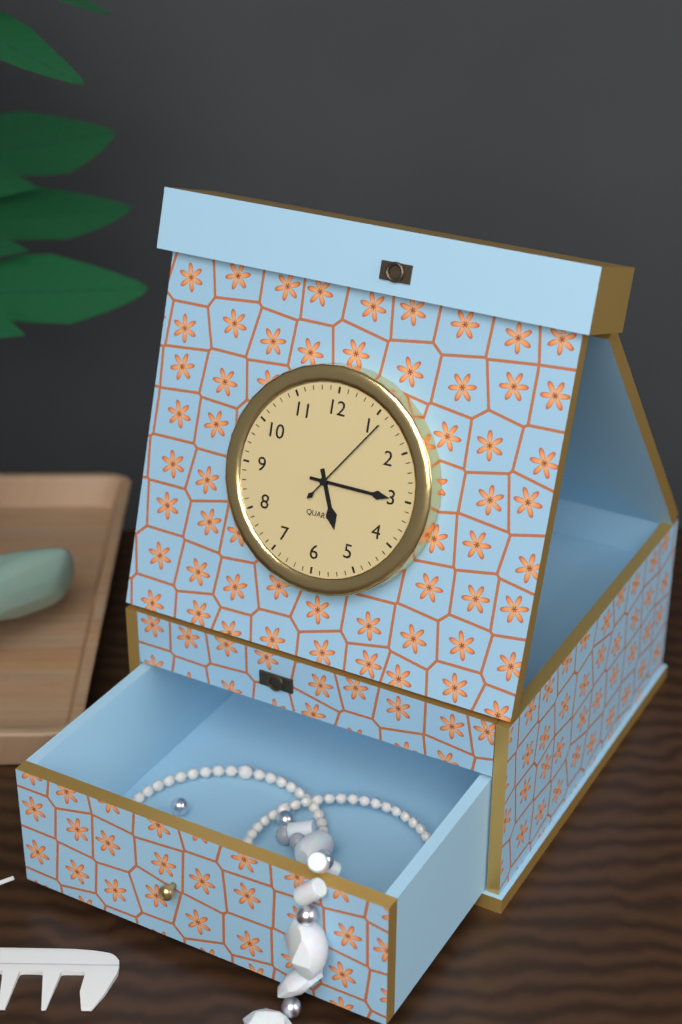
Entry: h=5 m=15 s=6
